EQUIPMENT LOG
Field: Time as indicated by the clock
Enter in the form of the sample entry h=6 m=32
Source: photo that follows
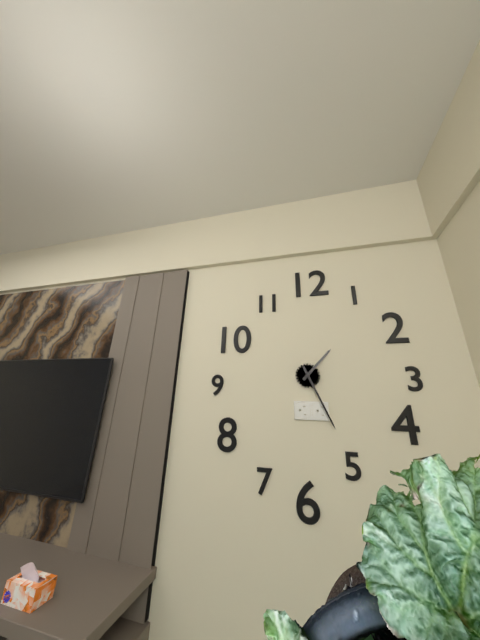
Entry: h=1 m=26
